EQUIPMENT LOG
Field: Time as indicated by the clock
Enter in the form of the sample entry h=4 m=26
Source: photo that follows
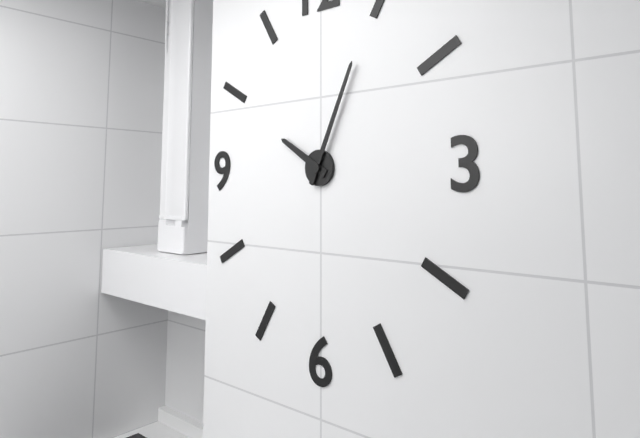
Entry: h=10 m=4
